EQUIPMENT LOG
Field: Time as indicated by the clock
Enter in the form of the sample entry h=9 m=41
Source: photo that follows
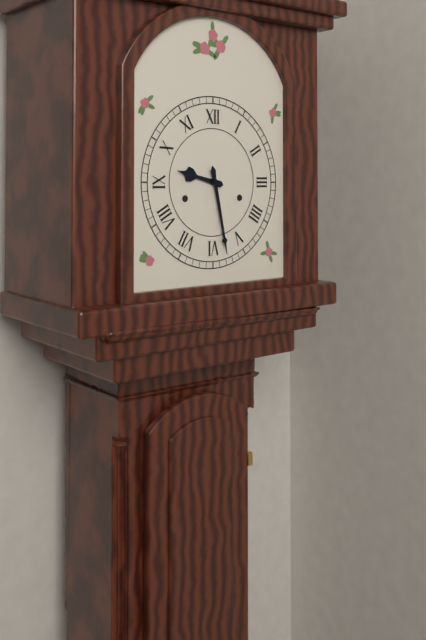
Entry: h=9 m=28
